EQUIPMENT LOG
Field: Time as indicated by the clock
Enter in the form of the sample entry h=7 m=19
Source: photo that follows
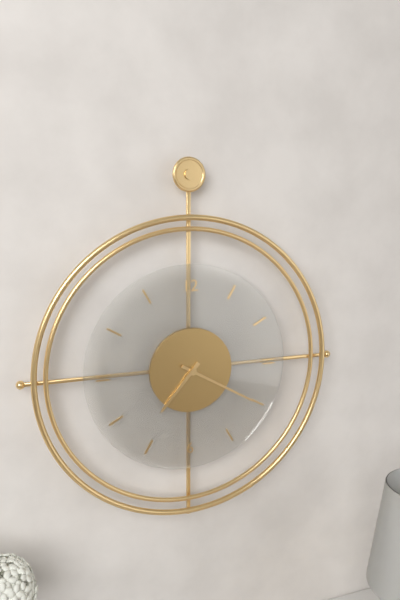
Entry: h=7 m=20
